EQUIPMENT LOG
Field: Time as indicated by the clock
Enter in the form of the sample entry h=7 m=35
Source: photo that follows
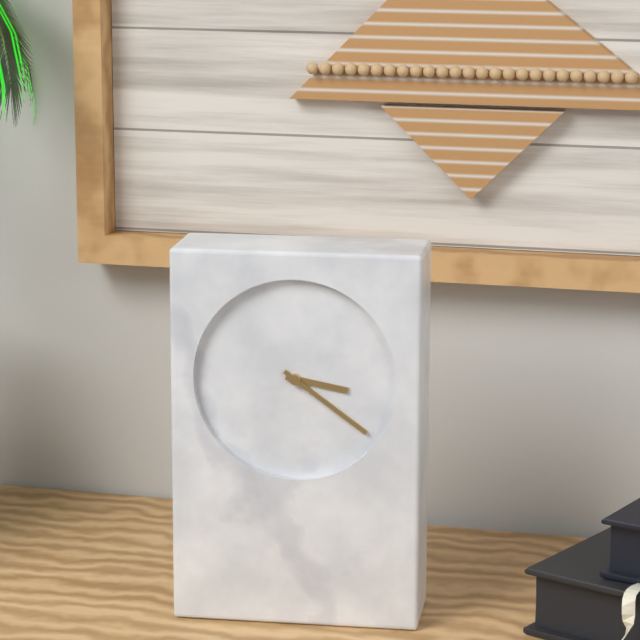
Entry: h=3 m=21
